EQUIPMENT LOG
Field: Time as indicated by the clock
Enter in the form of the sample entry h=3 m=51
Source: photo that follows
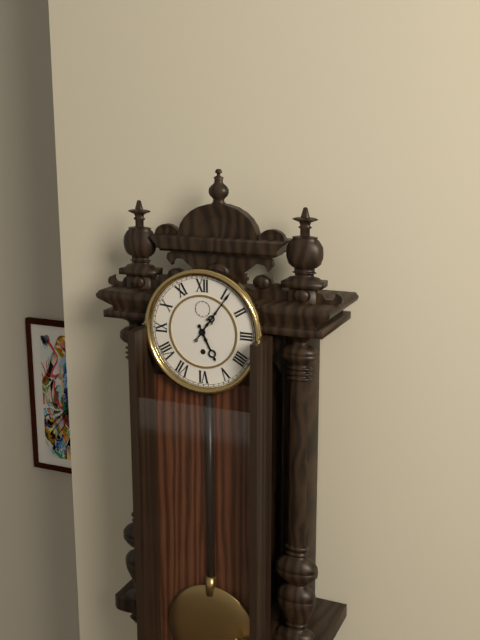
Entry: h=5 m=6
